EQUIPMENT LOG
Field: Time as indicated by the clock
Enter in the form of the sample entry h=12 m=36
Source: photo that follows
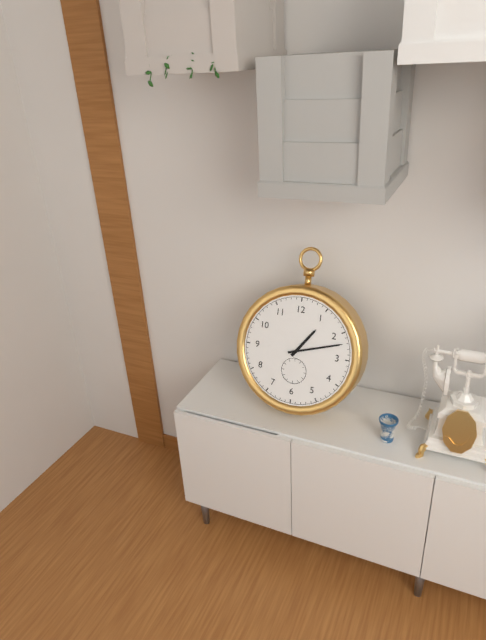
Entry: h=1 m=12
